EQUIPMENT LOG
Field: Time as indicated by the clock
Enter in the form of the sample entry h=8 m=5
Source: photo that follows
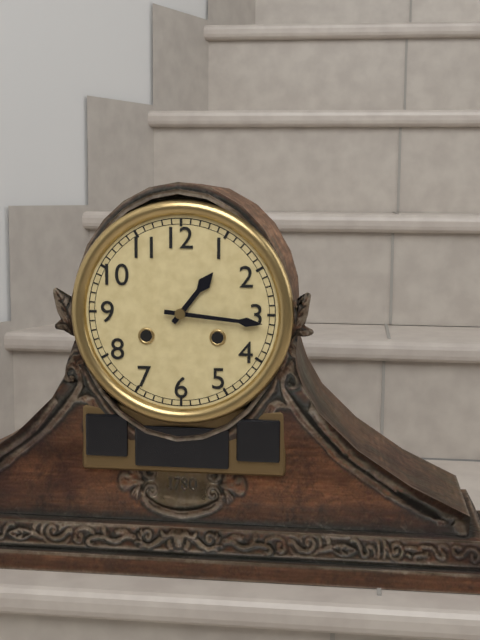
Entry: h=1 m=16
